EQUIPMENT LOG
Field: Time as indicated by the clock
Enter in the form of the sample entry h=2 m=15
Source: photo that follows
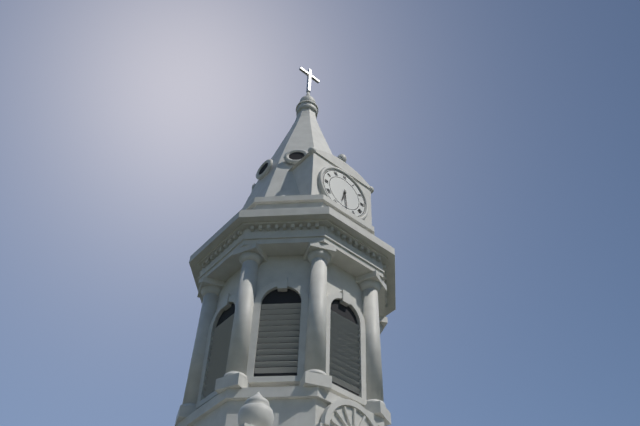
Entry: h=6 m=29
